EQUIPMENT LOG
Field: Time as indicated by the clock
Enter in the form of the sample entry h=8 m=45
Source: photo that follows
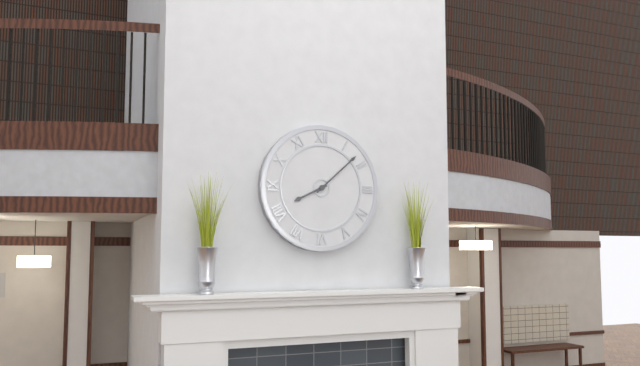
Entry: h=8 m=8
